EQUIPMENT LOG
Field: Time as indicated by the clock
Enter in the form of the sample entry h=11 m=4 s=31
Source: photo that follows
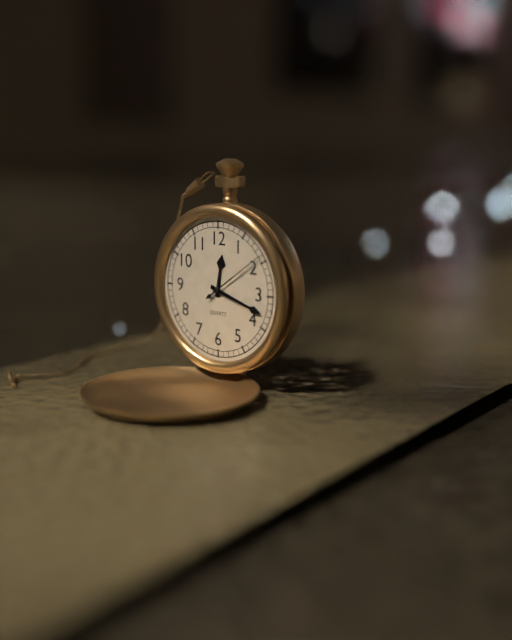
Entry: h=12 m=18 s=9
